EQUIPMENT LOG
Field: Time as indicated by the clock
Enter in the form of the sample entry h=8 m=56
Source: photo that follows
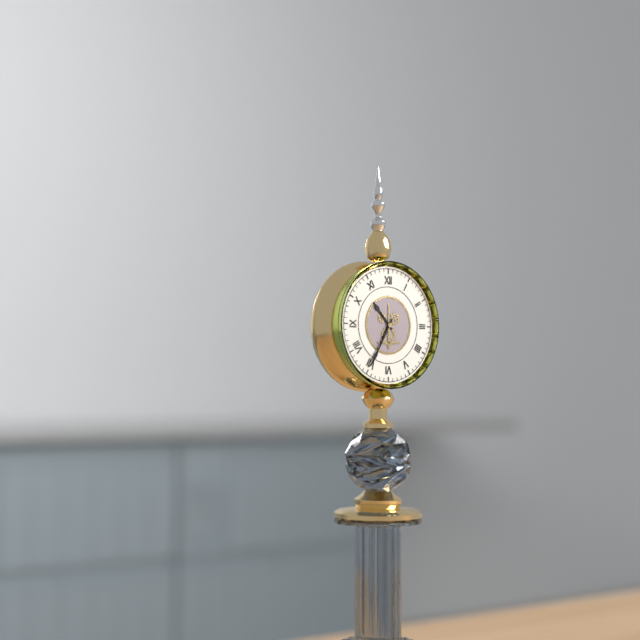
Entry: h=10 m=35
